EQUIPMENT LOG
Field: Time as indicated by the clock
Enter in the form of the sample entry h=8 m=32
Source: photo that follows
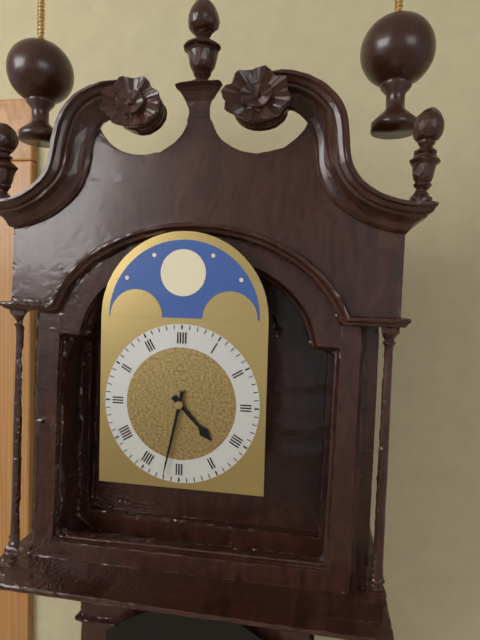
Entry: h=4 m=32
